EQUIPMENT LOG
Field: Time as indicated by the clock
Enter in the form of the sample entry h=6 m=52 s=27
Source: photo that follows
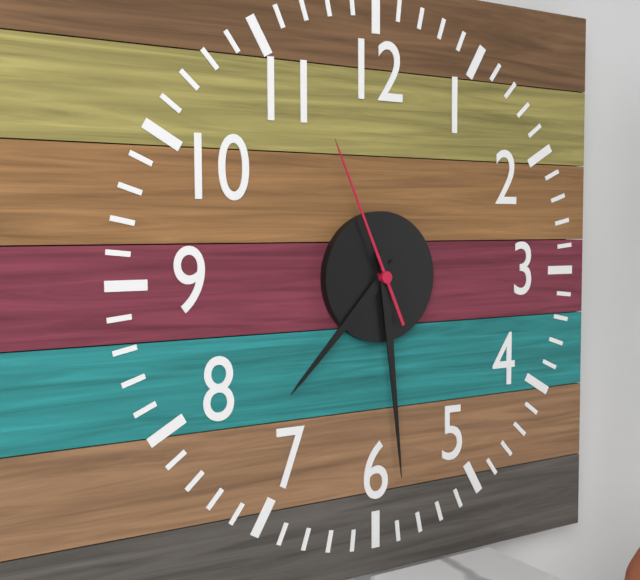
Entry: h=7 m=29 s=56
